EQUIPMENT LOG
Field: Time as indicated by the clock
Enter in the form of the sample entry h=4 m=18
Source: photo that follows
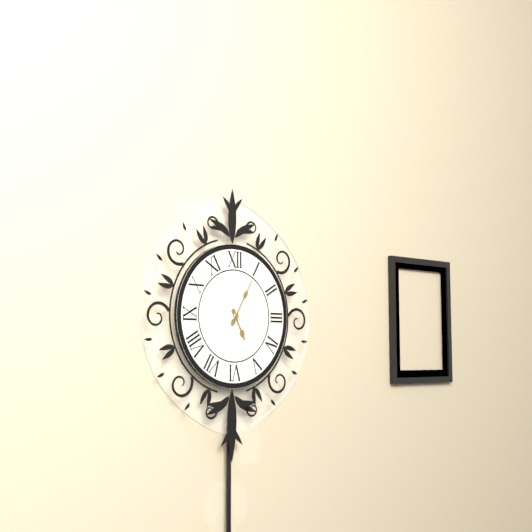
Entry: h=5 m=5
